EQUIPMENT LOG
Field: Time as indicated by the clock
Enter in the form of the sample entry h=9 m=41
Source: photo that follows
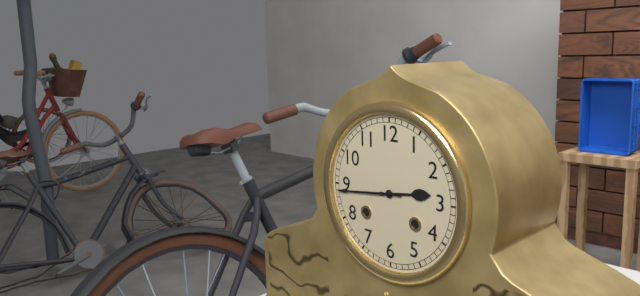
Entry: h=2 m=44
